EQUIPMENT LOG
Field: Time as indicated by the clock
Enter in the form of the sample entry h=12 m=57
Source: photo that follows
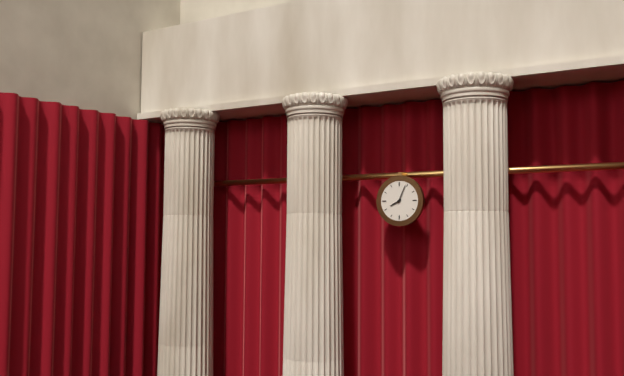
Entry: h=8 m=4
